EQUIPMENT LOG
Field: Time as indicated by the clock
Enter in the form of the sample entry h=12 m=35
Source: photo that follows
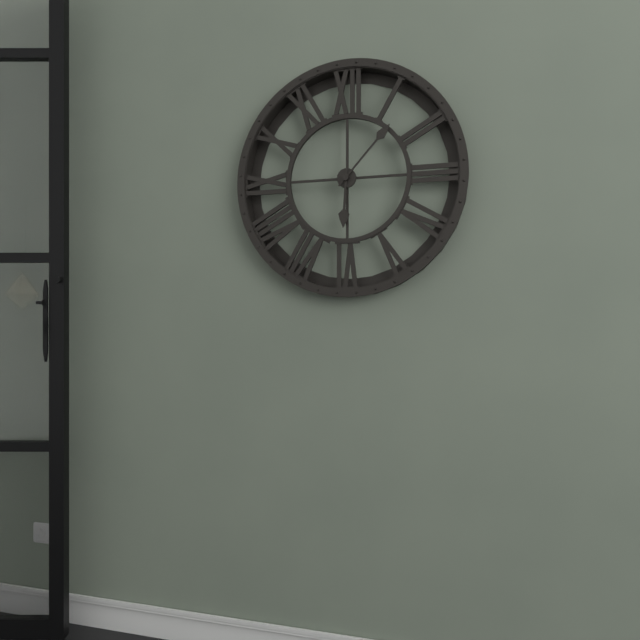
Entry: h=6 m=7
